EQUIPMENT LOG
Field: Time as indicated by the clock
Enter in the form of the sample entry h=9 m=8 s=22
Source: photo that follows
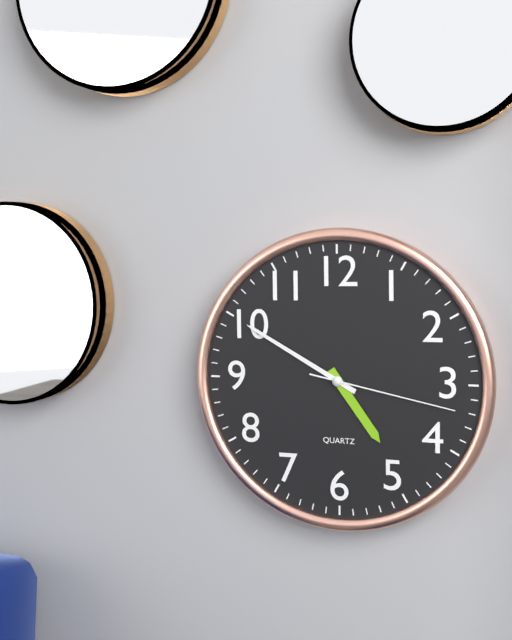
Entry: h=4 m=50 s=17
